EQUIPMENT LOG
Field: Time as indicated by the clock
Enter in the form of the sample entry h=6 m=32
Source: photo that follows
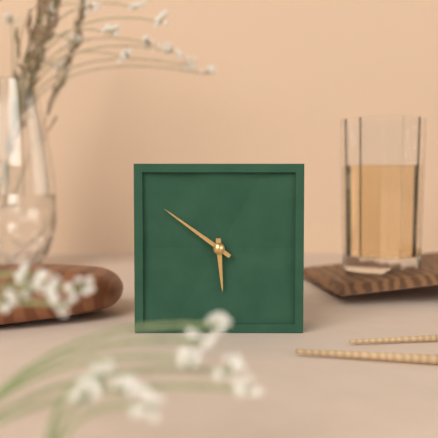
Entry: h=5 m=51
